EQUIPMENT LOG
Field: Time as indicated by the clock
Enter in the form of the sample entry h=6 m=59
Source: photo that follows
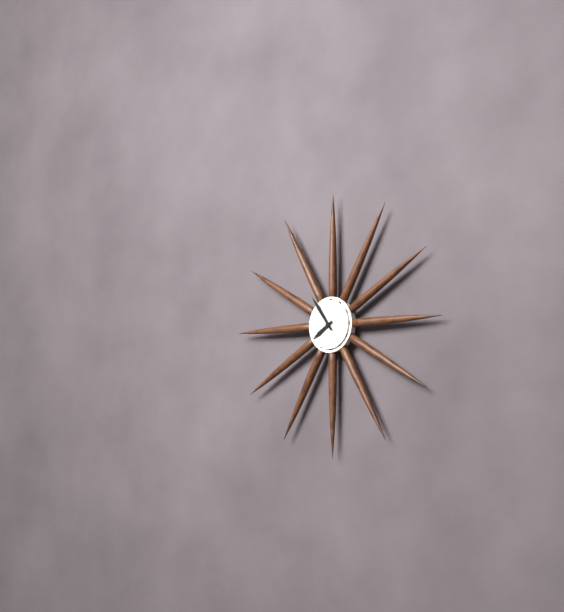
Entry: h=7 m=54
